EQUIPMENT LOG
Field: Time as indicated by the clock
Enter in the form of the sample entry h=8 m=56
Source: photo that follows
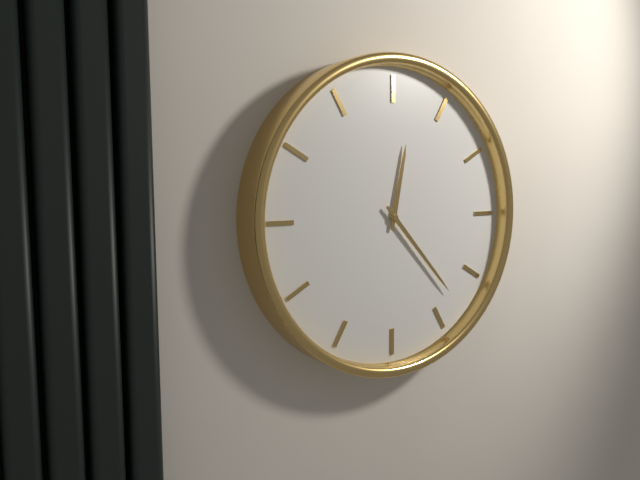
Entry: h=12 m=23
